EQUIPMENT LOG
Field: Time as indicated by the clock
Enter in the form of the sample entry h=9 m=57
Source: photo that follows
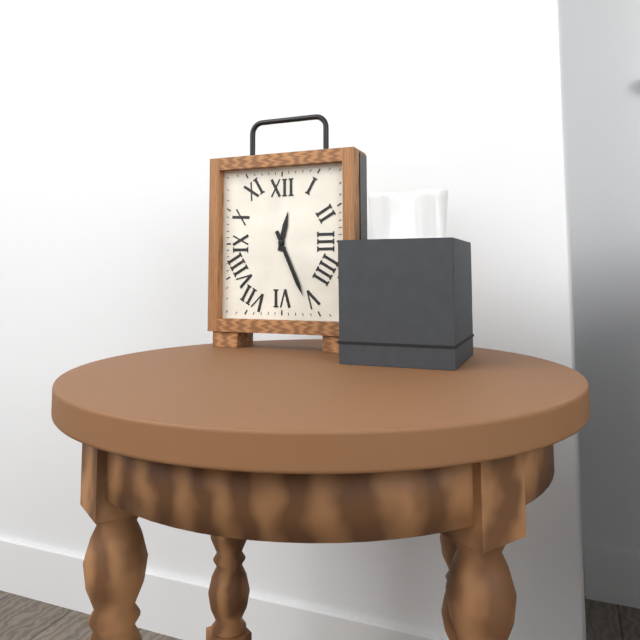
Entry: h=12 m=26
